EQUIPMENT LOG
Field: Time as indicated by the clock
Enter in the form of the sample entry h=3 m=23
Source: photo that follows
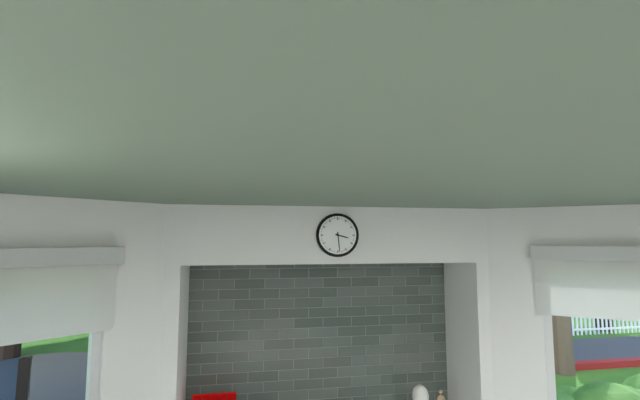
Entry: h=3 m=29
